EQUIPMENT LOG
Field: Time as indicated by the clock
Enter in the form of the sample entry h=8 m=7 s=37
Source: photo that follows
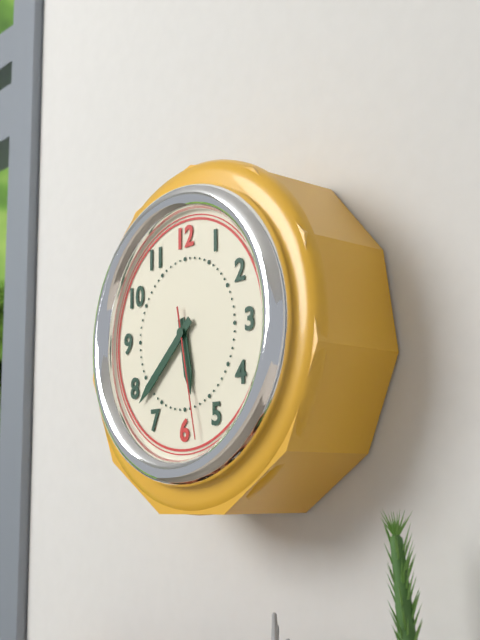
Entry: h=5 m=38 s=28
